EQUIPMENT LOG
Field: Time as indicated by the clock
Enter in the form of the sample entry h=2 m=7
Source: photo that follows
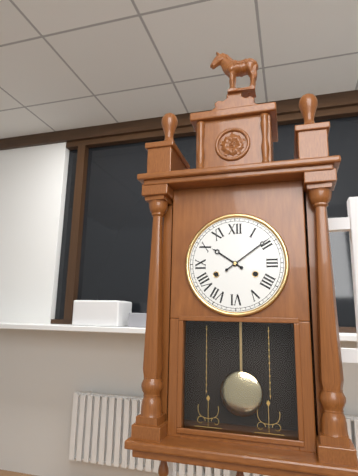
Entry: h=10 m=9
